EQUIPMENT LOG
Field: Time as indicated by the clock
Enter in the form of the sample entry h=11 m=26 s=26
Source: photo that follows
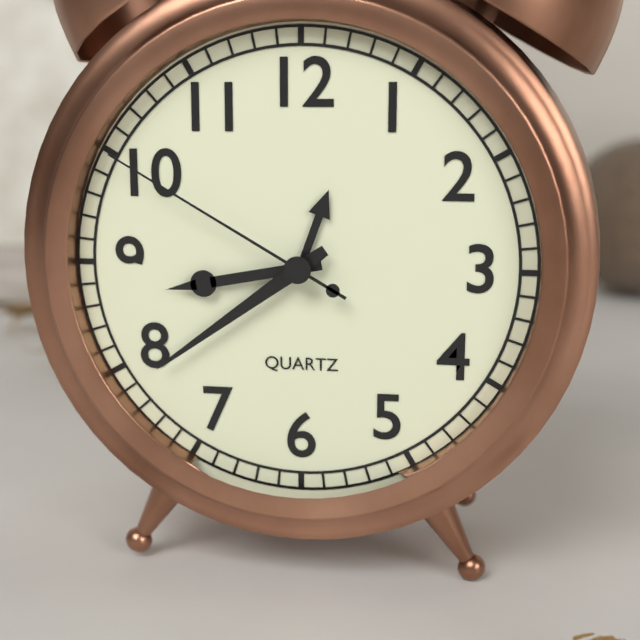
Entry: h=8 m=39 s=50
